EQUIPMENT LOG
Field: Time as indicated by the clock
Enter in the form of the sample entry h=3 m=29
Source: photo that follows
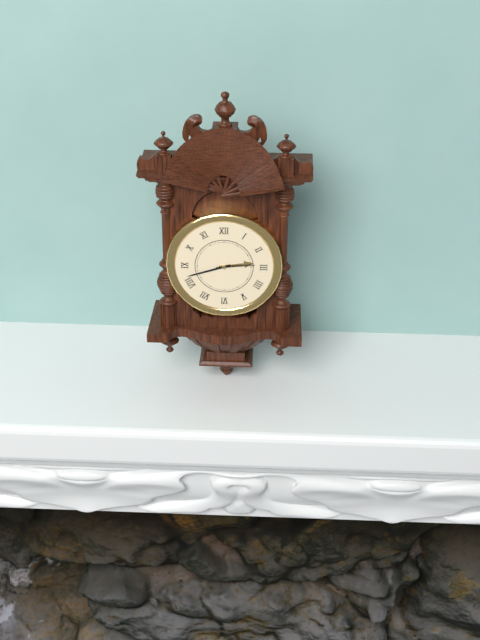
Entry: h=2 m=42
